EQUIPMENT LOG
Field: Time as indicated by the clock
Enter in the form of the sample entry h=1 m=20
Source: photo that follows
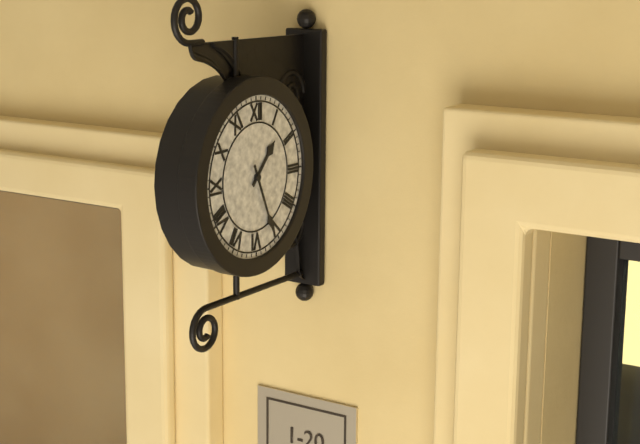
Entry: h=1 m=26
